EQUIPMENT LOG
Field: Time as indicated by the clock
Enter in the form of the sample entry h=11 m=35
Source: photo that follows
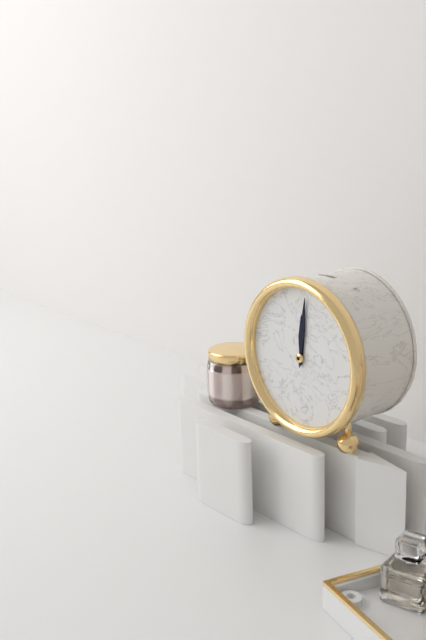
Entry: h=12 m=1
